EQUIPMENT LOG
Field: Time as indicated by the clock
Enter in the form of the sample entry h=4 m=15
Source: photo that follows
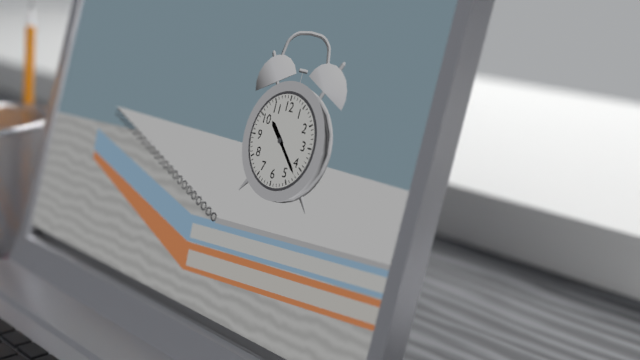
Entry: h=10 m=22
